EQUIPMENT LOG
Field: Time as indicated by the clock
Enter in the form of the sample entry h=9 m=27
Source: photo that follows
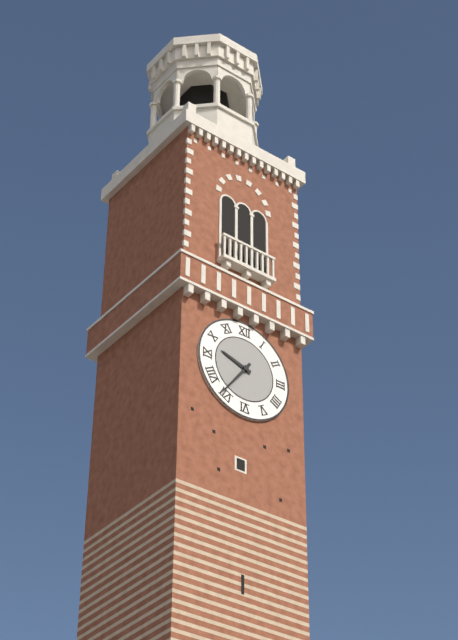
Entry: h=9 m=36
